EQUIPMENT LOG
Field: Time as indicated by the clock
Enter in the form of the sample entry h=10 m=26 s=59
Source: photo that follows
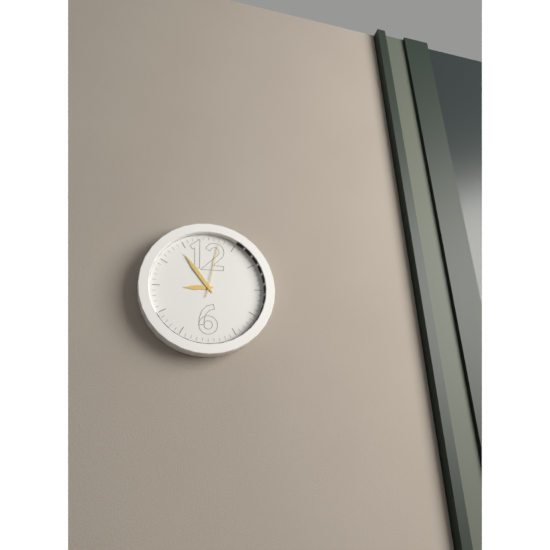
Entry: h=8 m=54 s=2
